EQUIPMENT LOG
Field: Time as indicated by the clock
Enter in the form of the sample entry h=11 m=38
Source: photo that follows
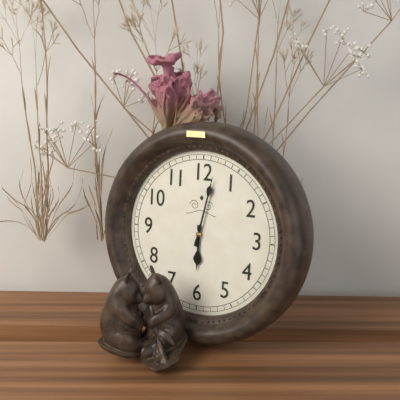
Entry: h=6 m=2
